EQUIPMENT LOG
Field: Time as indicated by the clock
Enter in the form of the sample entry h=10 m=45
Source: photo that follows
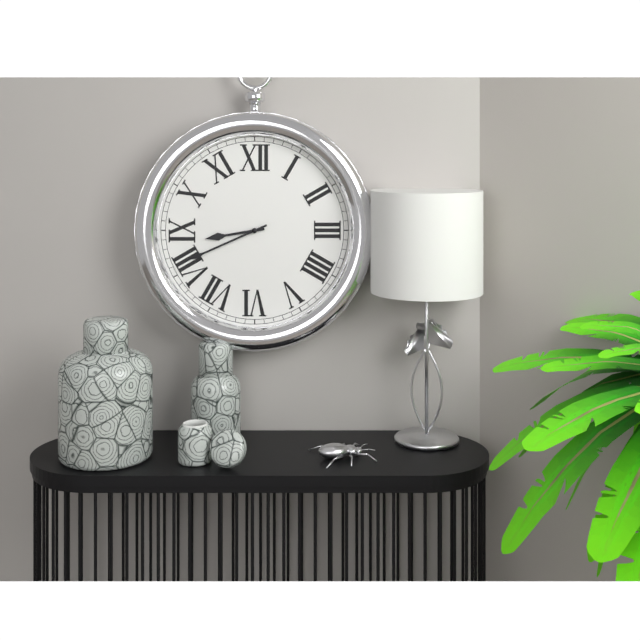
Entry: h=8 m=41
